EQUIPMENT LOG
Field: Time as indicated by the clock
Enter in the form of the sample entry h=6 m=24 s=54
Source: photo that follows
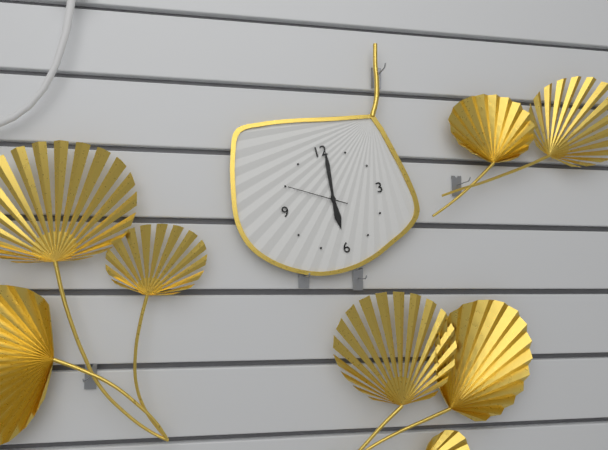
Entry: h=6 m=1 s=50
